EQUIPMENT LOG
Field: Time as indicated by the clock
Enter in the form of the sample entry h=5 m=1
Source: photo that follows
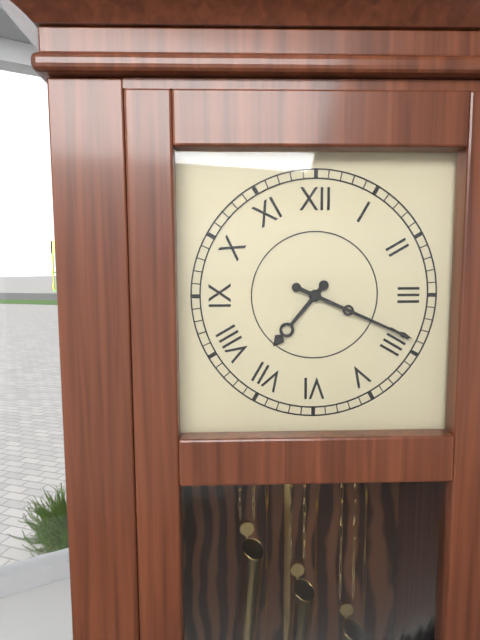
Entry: h=7 m=19
